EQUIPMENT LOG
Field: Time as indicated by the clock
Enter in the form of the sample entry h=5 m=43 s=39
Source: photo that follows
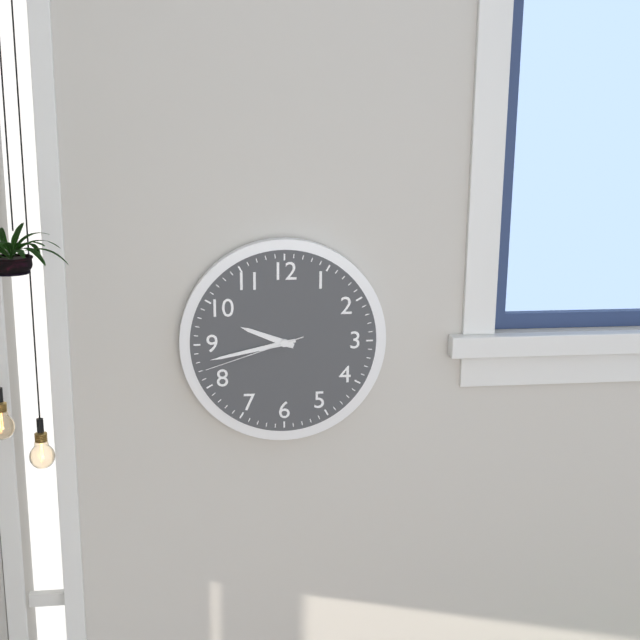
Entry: h=9 m=43 s=42
